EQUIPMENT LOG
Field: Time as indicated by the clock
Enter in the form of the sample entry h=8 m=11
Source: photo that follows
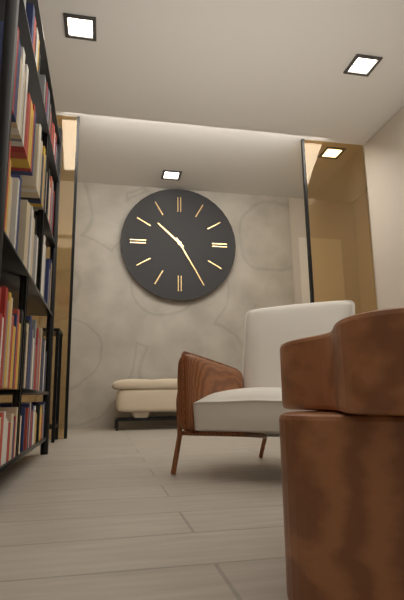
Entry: h=10 m=25
